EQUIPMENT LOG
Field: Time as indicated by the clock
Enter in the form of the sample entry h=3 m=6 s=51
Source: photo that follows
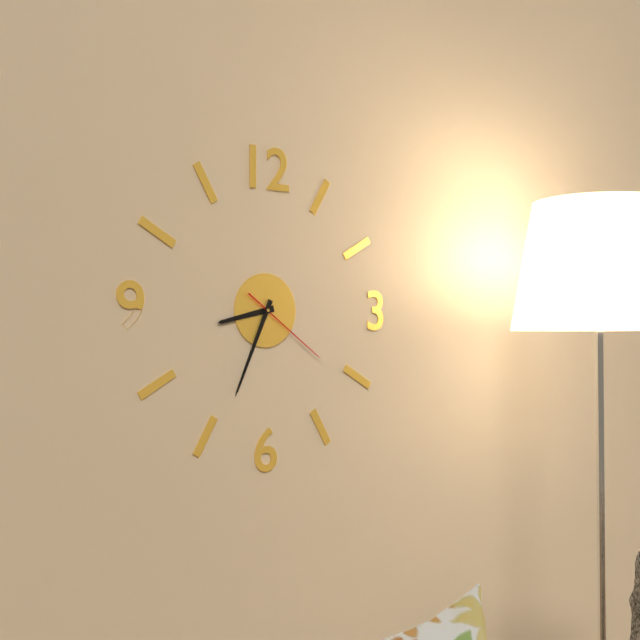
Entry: h=8 m=34 s=21
